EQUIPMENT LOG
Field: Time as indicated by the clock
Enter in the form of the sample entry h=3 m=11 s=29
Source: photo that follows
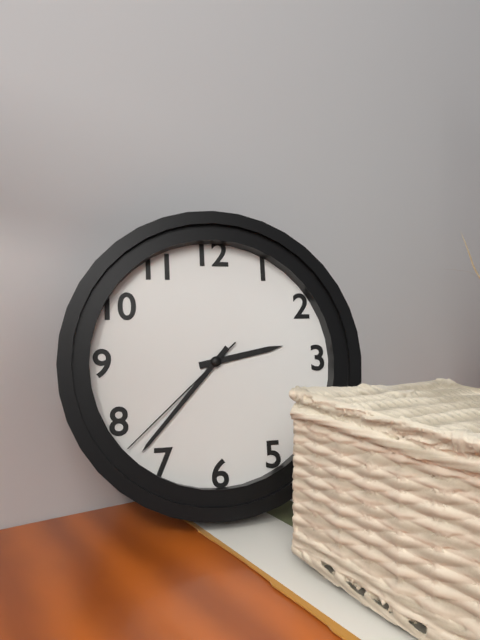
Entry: h=2 m=37 s=38
